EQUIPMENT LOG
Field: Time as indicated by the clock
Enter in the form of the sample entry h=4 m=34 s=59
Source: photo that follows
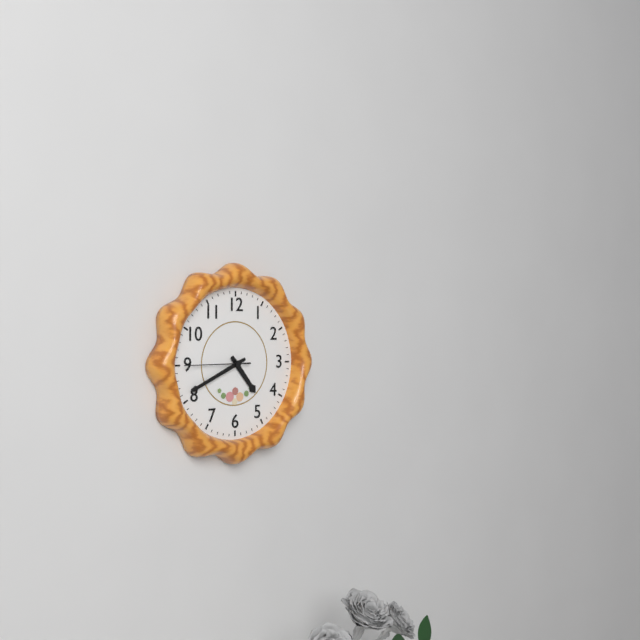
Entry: h=4 m=41 s=45
